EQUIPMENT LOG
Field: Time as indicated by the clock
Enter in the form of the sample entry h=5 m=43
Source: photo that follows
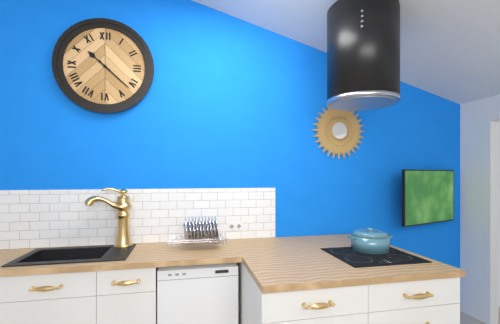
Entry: h=10 m=22
